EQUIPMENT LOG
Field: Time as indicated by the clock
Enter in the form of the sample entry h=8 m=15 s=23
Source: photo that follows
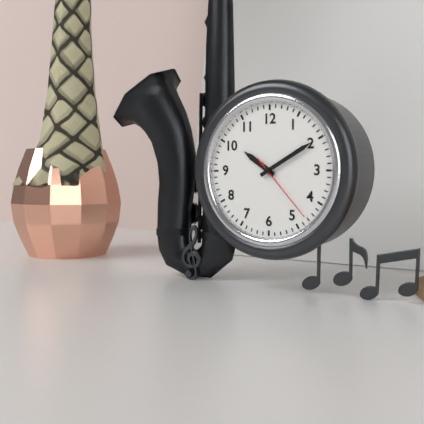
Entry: h=10 m=10 s=23
